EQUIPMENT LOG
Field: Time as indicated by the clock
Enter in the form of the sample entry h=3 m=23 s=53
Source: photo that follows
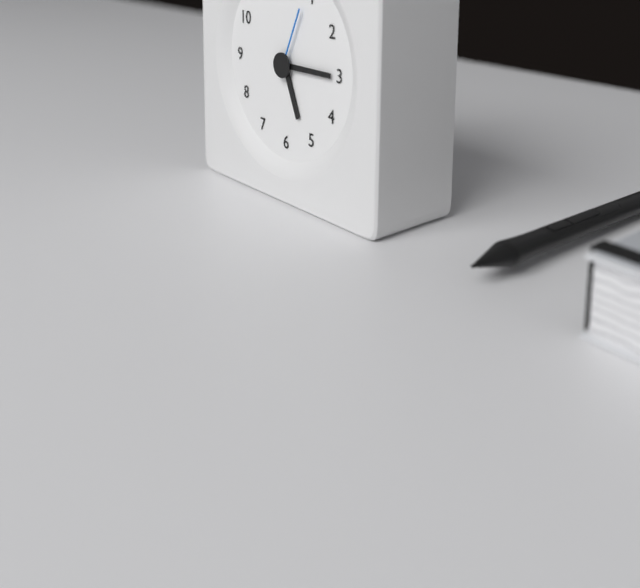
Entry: h=5 m=15 s=4
